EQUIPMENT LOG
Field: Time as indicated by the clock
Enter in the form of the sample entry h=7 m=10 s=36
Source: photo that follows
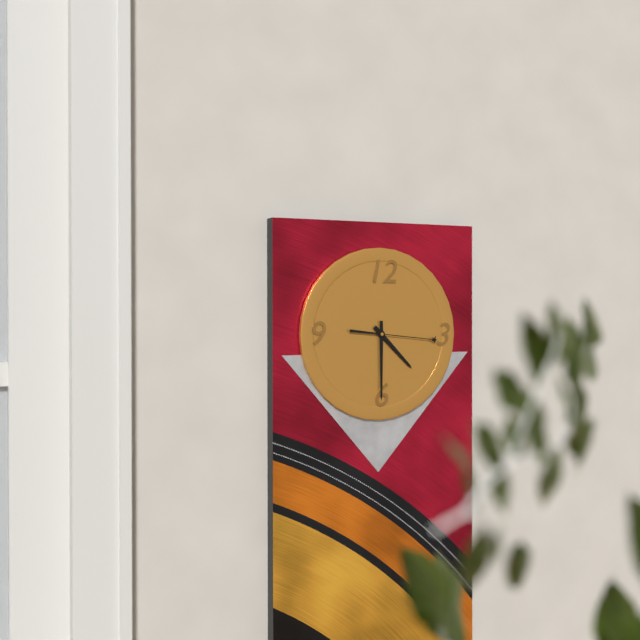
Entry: h=4 m=30 s=16
